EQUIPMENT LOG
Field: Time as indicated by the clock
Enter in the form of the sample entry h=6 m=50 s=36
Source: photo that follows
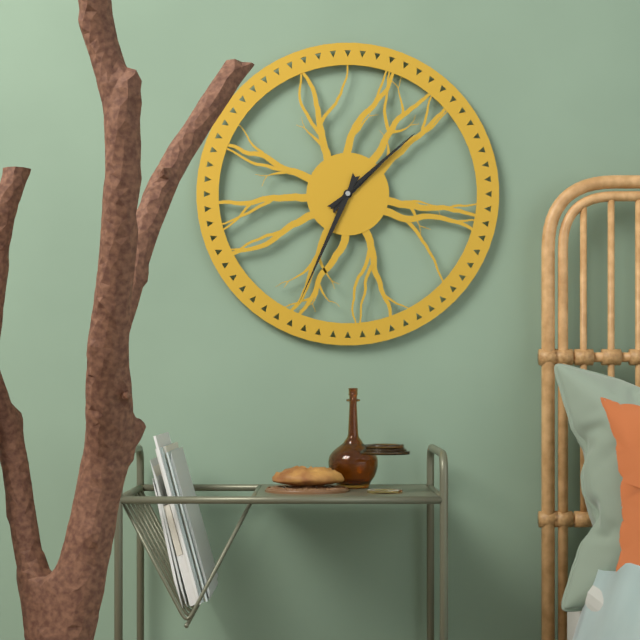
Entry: h=1 m=34 s=8
